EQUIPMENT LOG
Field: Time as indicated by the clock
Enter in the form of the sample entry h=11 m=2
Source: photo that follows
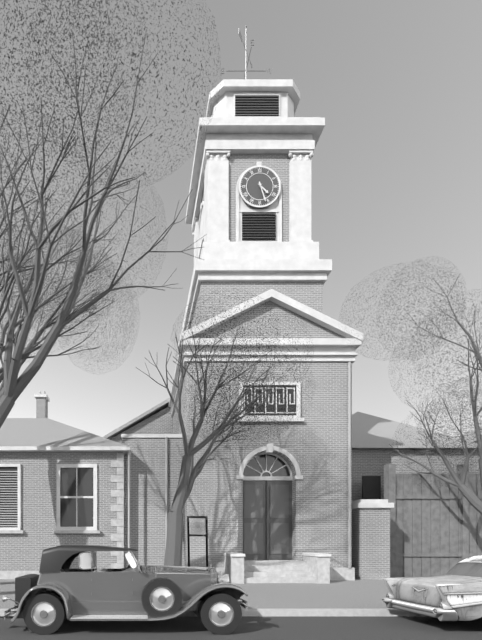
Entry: h=4 m=27
